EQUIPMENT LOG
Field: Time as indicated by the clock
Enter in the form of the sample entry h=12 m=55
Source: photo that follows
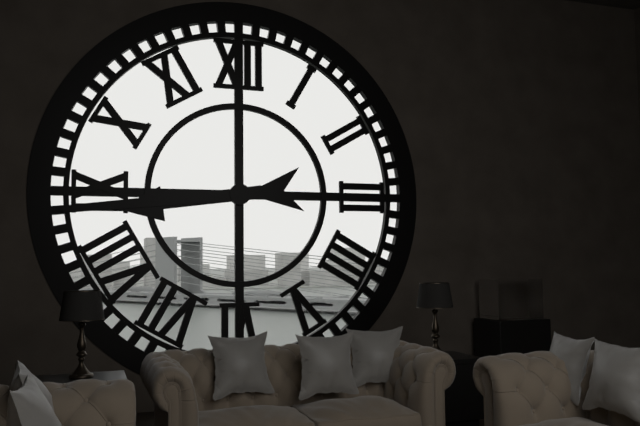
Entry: h=8 m=44
